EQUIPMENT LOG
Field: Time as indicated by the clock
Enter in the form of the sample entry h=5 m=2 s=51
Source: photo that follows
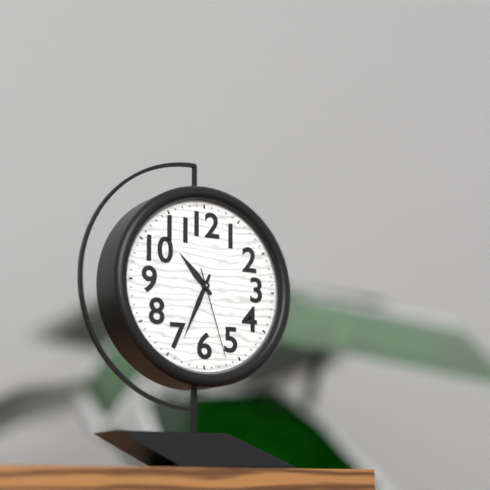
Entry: h=10 m=34 s=27
